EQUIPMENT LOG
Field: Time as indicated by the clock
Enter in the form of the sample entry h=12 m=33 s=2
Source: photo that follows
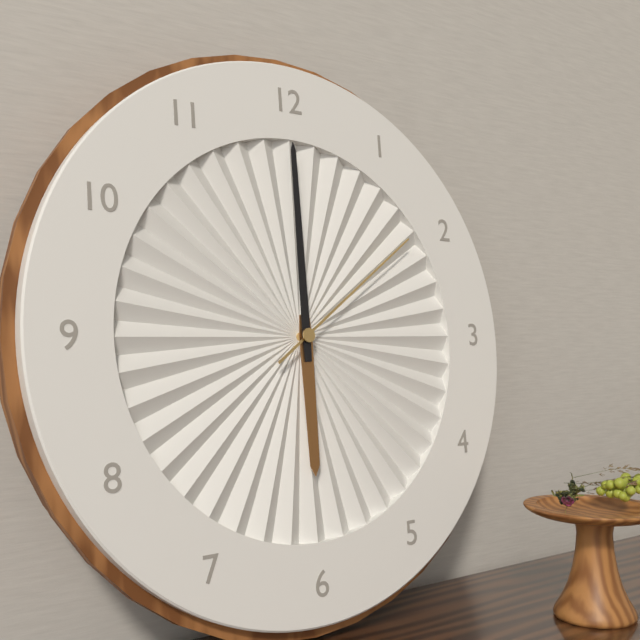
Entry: h=6 m=0 s=9
